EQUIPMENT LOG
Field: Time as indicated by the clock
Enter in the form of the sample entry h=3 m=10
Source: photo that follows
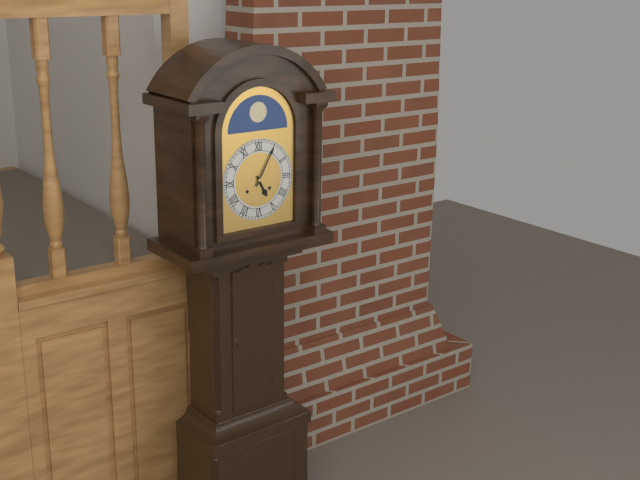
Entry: h=5 m=5
